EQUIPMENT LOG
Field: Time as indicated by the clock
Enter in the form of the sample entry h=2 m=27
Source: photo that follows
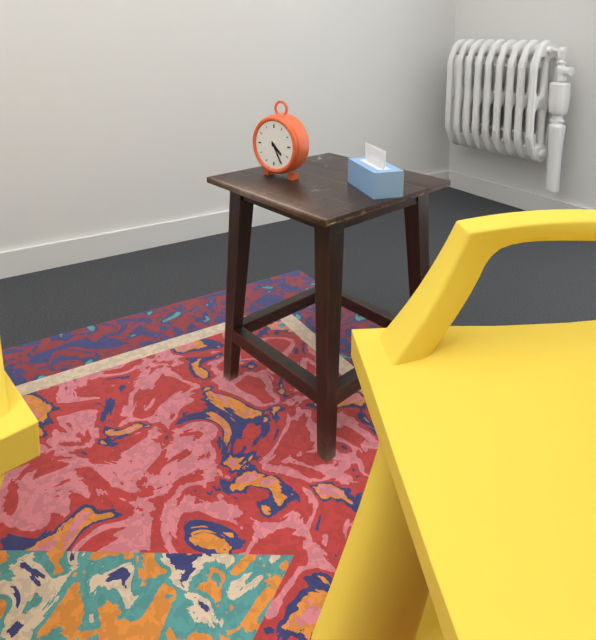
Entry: h=4 m=25
